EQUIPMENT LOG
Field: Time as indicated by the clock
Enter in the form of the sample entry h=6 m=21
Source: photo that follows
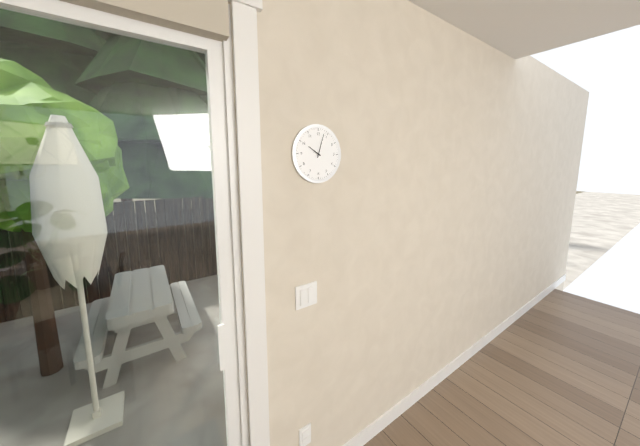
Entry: h=10 m=3
